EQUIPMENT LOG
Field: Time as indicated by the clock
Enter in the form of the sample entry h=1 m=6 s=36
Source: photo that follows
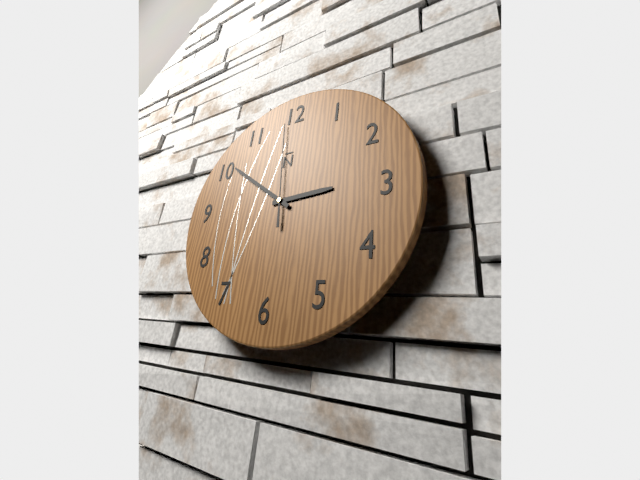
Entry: h=2 m=51 s=59
